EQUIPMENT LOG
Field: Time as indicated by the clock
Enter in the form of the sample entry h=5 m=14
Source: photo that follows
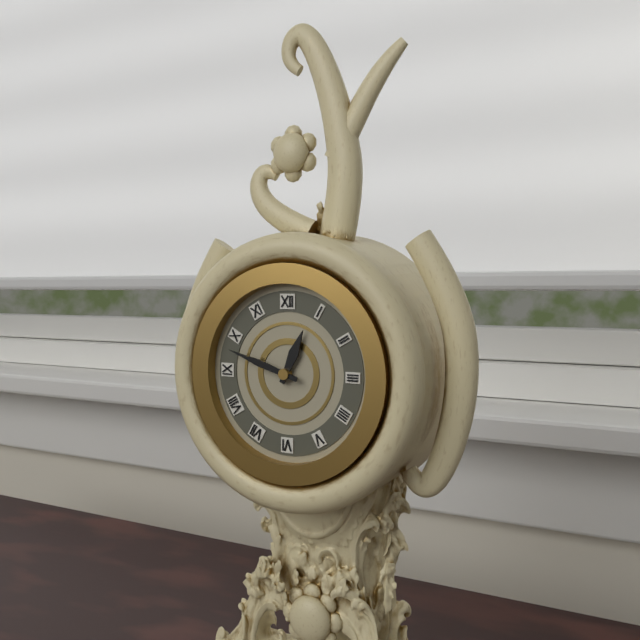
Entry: h=12 m=48
